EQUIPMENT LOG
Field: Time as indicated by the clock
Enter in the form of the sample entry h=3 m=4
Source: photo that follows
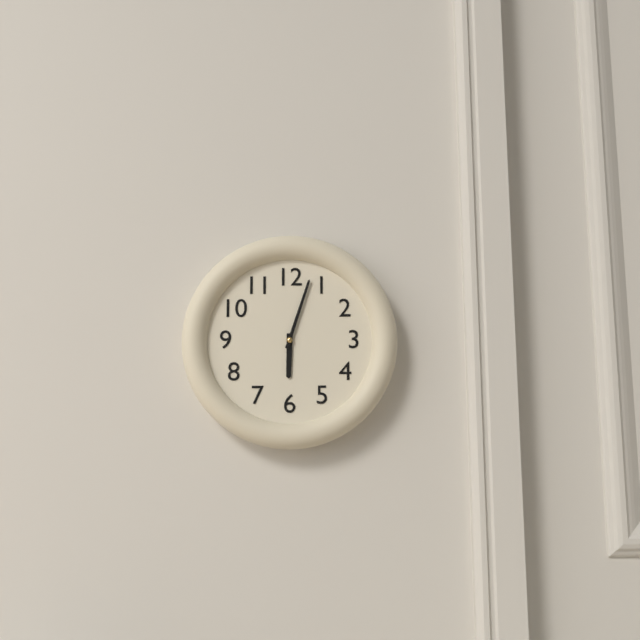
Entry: h=6 m=3
